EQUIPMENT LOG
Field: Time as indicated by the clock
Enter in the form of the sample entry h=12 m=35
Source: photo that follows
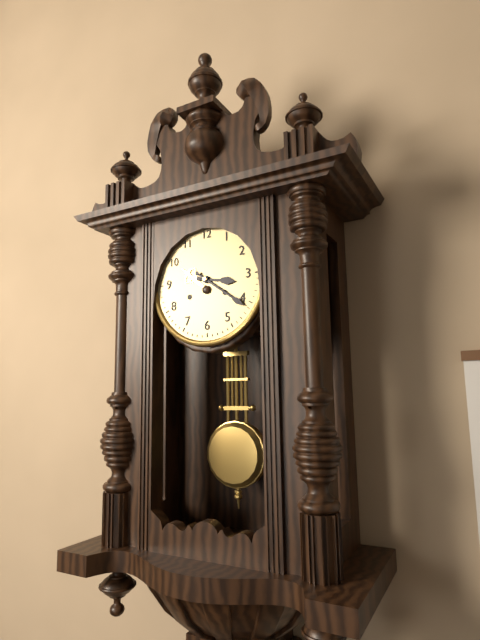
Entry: h=3 m=21
